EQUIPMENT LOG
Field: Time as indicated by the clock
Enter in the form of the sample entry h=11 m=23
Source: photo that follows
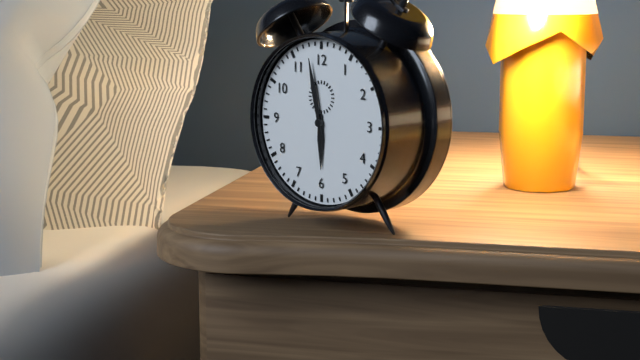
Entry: h=5 m=58
